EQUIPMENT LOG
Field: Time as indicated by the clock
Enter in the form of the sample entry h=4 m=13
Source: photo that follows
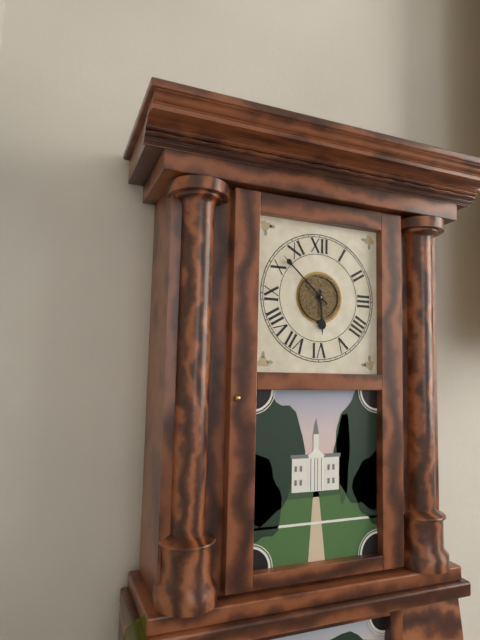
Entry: h=5 m=52
